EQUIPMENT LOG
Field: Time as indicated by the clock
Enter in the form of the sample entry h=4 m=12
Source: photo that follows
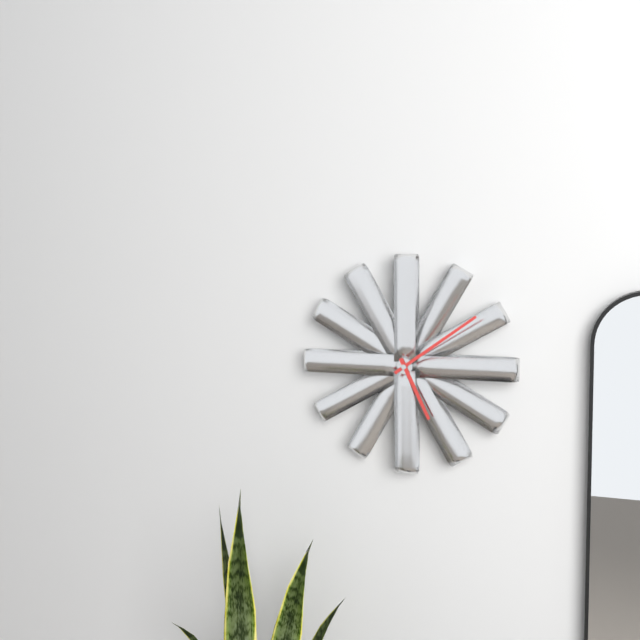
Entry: h=5 m=9
